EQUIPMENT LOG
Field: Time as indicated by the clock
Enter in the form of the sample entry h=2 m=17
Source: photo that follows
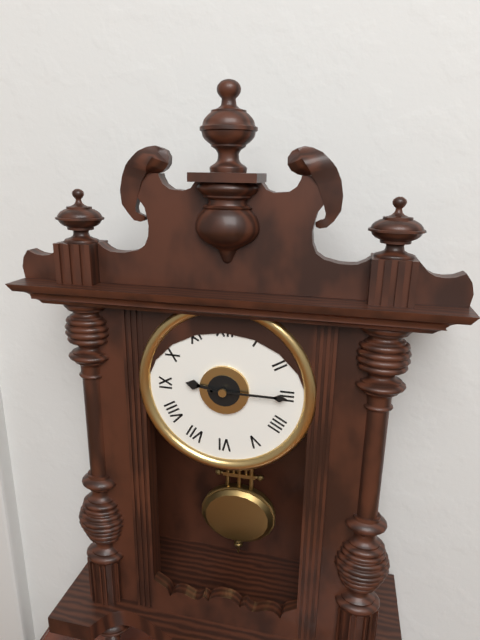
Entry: h=9 m=15
